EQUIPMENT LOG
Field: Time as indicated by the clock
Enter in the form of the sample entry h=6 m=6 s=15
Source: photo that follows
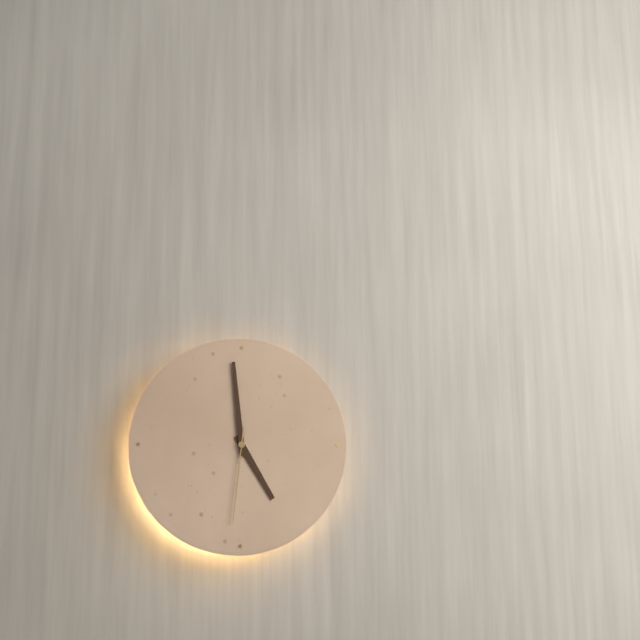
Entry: h=4 m=59 s=31
